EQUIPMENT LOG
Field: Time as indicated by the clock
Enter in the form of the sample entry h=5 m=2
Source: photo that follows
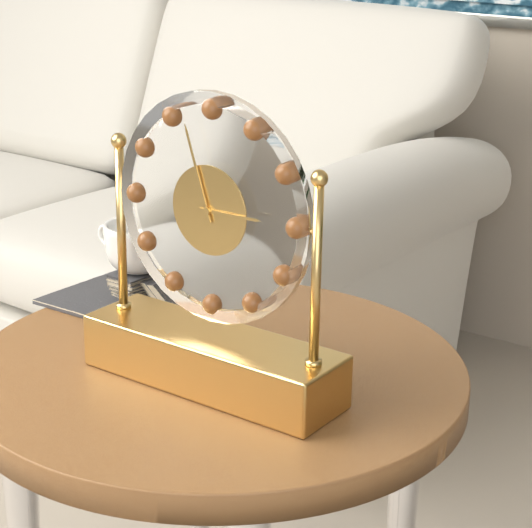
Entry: h=2 m=57
